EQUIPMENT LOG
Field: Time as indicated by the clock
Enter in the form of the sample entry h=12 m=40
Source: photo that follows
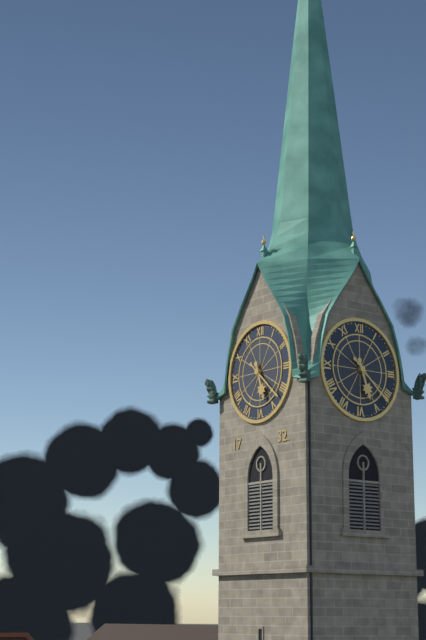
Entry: h=5 m=22
